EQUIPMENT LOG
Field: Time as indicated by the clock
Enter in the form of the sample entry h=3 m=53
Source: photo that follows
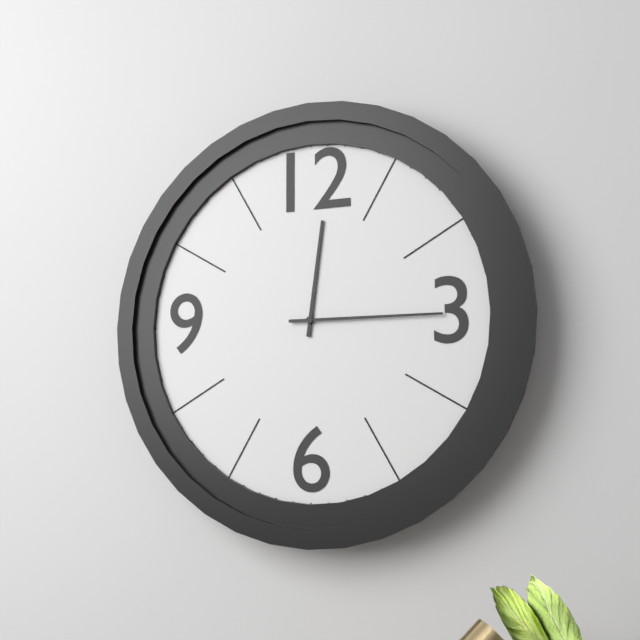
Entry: h=12 m=15
